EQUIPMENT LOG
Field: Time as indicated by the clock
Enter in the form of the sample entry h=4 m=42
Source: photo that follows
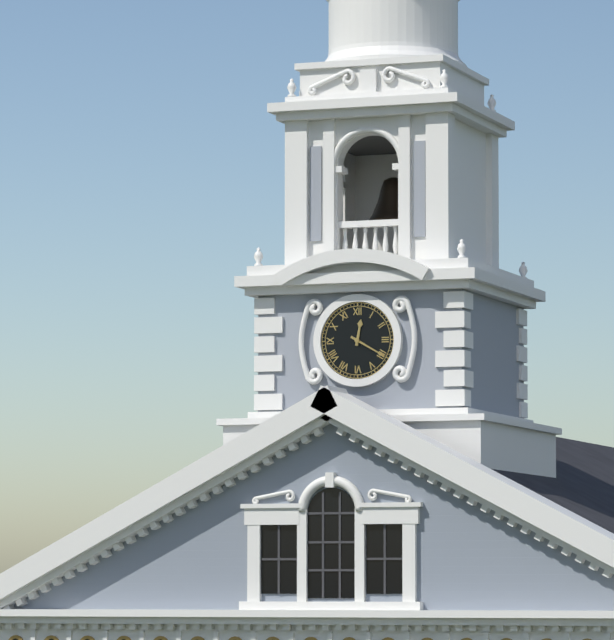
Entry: h=12 m=20
